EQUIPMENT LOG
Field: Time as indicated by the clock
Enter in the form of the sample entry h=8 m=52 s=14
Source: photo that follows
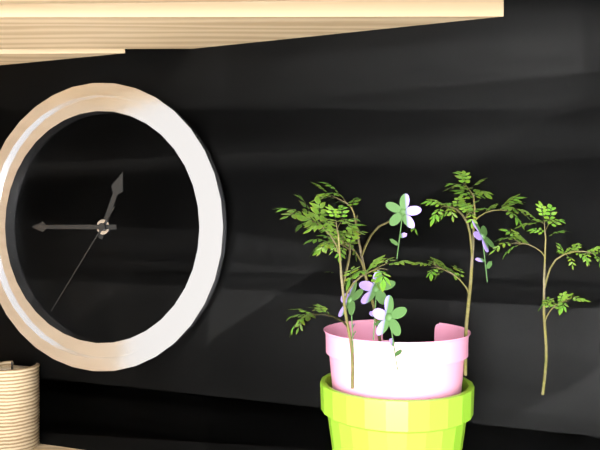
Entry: h=12 m=45 s=36
